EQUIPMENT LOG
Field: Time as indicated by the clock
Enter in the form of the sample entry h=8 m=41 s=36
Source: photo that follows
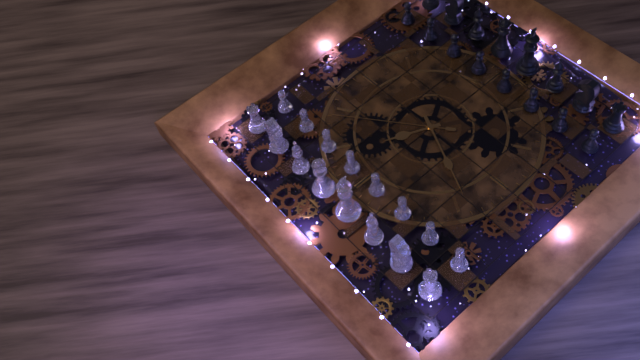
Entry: h=12 m=49 s=9
